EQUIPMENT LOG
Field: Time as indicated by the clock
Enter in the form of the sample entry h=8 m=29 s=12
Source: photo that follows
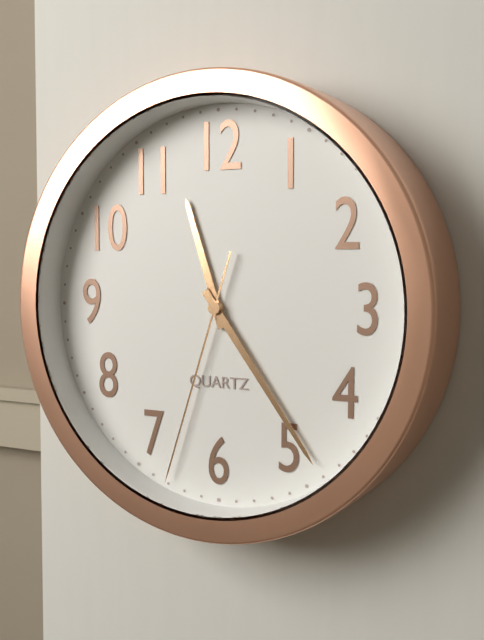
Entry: h=11 m=24 s=33
